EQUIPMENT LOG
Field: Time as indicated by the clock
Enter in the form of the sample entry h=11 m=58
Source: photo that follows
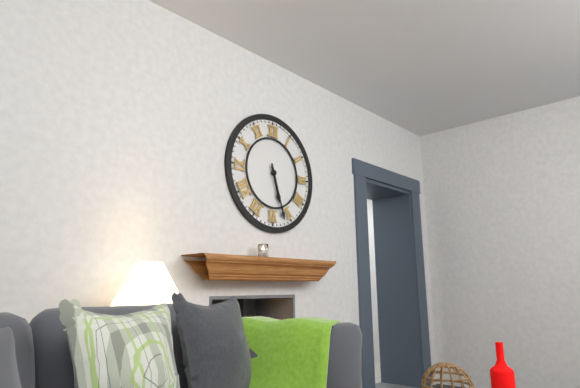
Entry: h=5 m=27
